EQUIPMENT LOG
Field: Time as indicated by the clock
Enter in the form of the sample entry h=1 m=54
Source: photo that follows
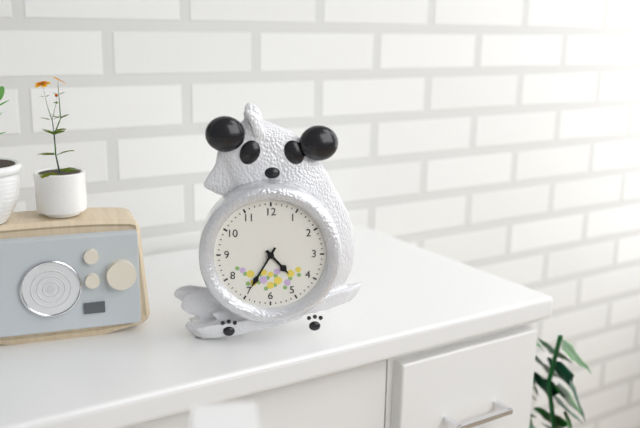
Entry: h=4 m=35
